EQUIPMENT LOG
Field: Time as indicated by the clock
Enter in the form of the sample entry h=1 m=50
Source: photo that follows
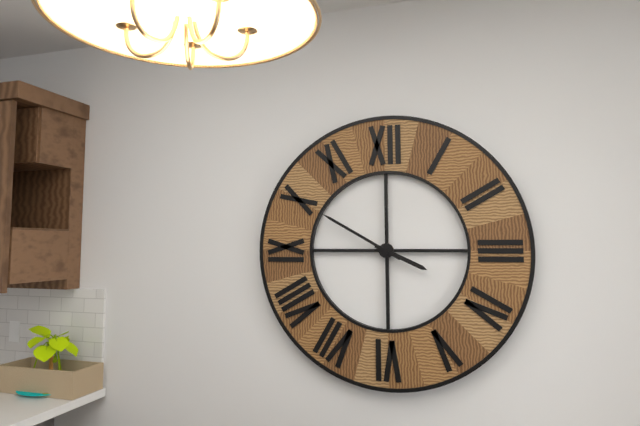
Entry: h=3 m=50
